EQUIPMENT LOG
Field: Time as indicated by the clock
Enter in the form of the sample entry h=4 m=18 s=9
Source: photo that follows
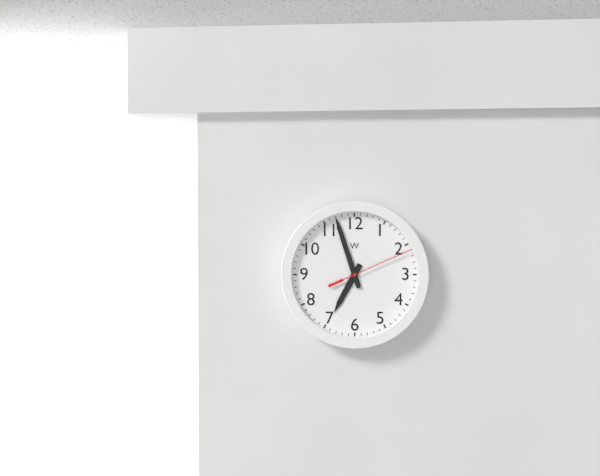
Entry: h=6 m=57 s=11
